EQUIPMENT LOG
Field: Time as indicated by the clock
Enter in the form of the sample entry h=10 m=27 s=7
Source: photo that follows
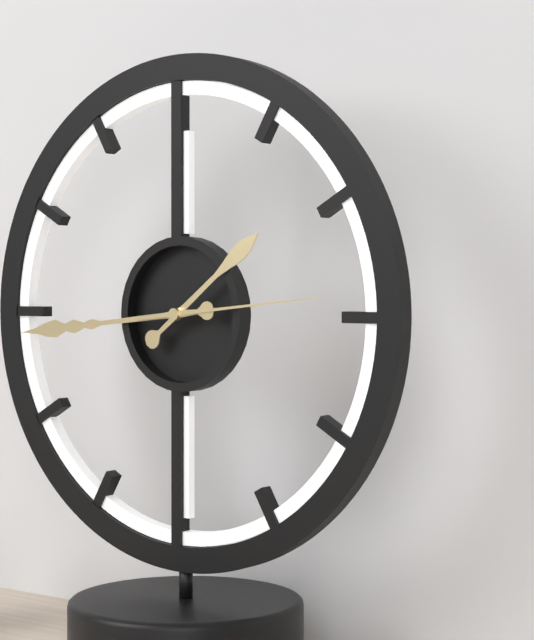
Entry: h=1 m=44 s=14
